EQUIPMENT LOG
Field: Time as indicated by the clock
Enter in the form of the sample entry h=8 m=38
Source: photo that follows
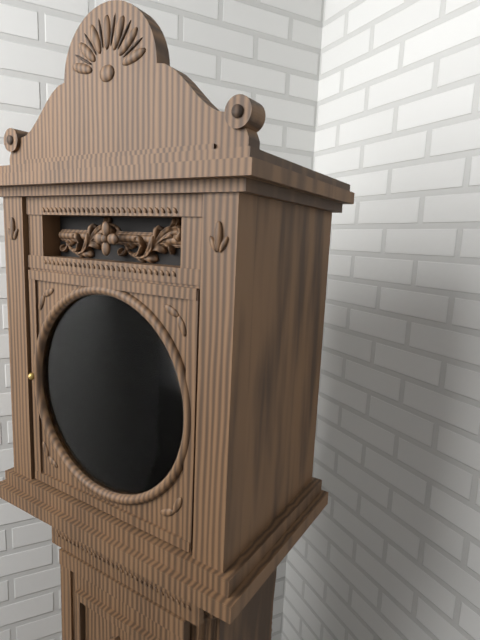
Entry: h=3 m=13
